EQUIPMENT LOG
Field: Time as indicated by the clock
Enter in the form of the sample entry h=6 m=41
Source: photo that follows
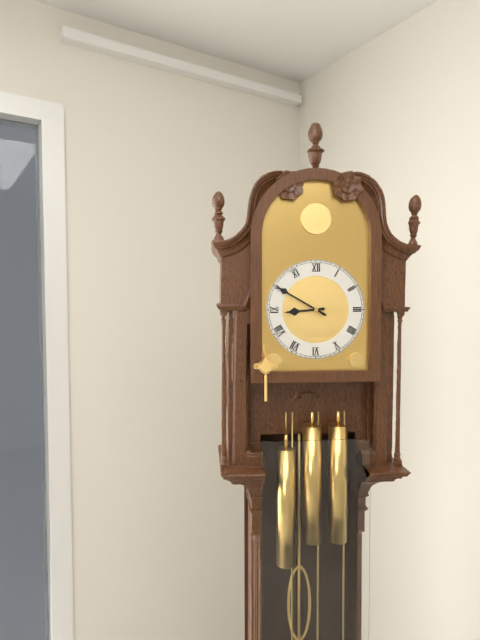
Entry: h=8 m=50
